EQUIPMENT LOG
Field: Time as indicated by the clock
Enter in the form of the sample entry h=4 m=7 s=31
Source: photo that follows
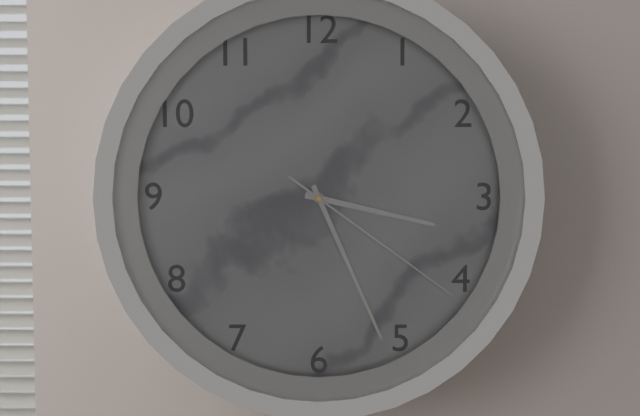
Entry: h=3 m=26 s=21
